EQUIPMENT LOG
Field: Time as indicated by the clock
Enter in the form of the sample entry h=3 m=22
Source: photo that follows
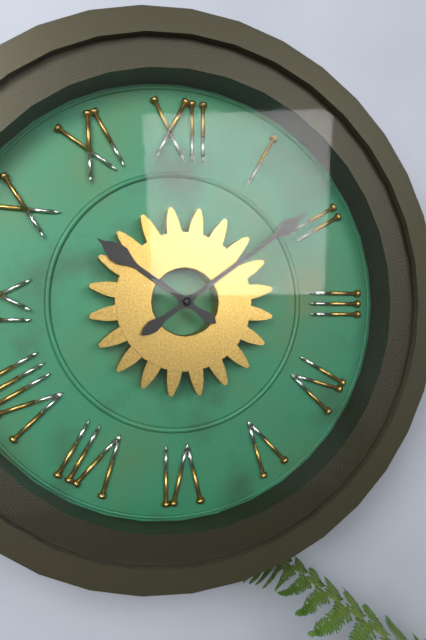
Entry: h=10 m=9
